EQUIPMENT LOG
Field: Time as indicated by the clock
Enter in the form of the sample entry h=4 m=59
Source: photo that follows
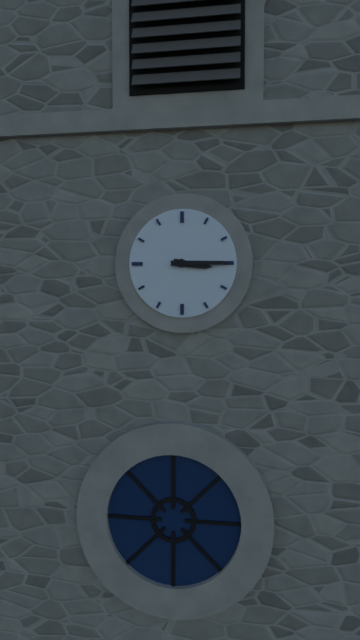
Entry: h=3 m=15
